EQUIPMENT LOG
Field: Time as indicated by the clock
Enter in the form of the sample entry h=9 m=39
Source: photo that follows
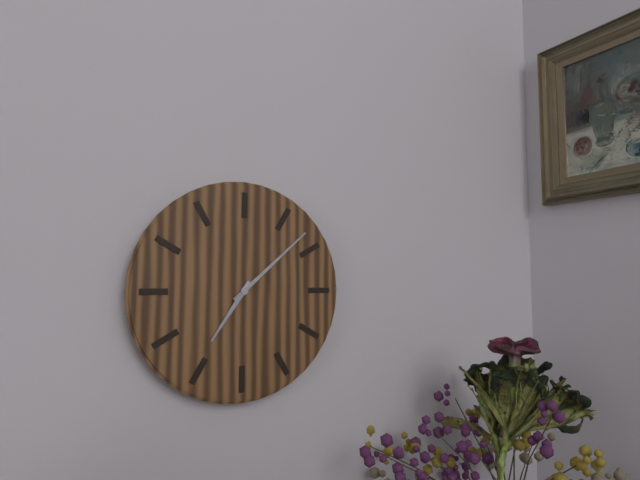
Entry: h=7 m=8
